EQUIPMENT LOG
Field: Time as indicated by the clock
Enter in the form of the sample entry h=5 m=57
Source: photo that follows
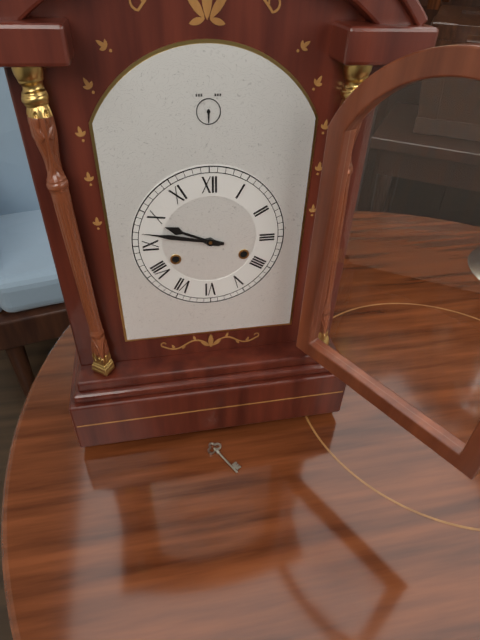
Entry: h=9 m=47
